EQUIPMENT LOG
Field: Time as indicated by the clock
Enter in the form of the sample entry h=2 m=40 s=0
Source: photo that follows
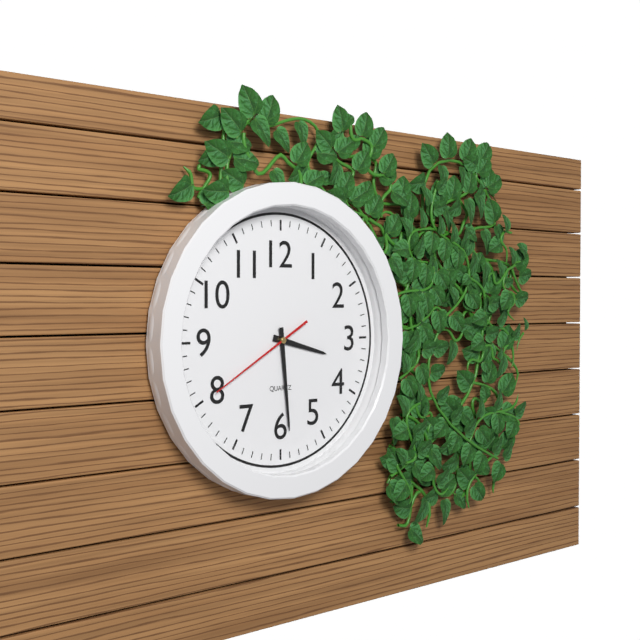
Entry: h=3 m=29 s=40
